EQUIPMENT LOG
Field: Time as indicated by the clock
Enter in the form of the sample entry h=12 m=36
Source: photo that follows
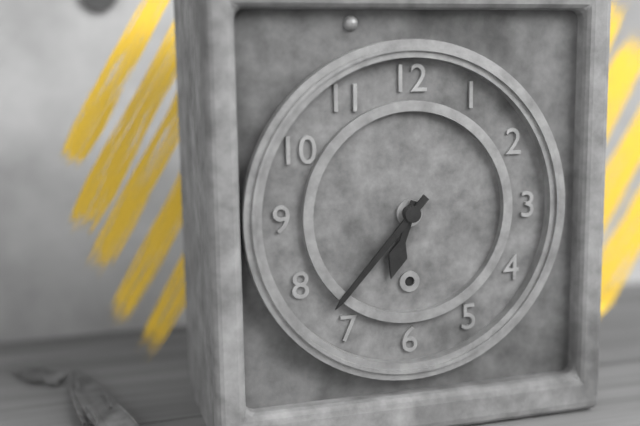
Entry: h=6 m=37
